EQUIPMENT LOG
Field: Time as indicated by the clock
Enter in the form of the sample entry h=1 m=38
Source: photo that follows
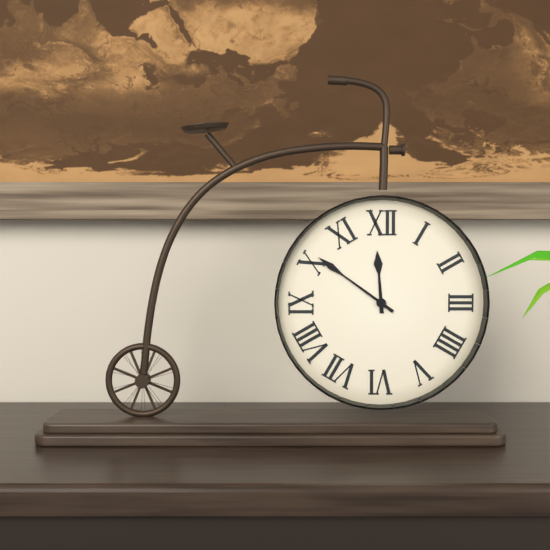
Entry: h=11 m=51
